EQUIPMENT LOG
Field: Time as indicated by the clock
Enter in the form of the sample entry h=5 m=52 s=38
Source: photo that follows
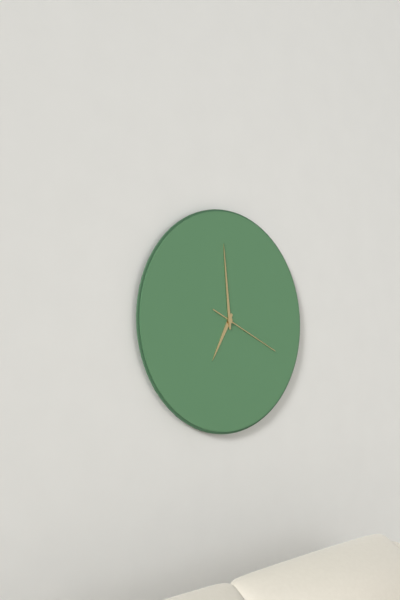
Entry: h=6 m=59 s=19
